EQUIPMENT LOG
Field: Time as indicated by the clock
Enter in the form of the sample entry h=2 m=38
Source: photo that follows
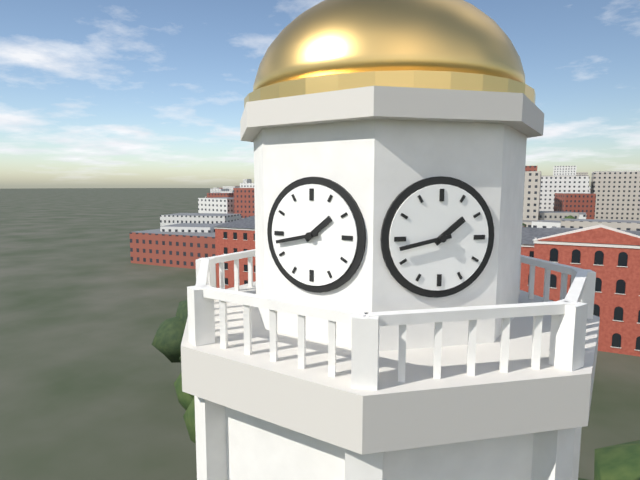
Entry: h=1 m=43
